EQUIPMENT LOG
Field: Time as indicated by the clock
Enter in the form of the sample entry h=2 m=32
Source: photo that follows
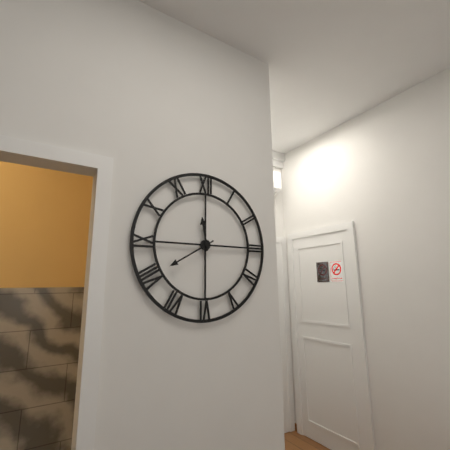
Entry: h=11 m=40
